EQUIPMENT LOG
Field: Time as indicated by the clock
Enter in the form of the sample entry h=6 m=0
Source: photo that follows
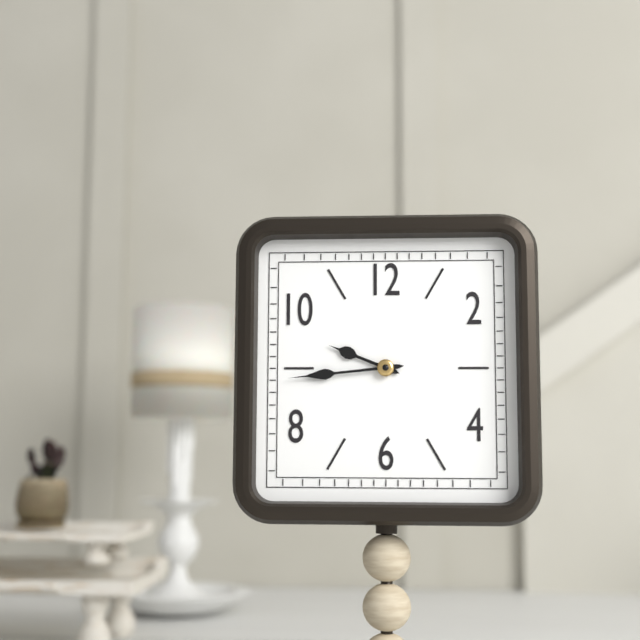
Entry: h=9 m=44
